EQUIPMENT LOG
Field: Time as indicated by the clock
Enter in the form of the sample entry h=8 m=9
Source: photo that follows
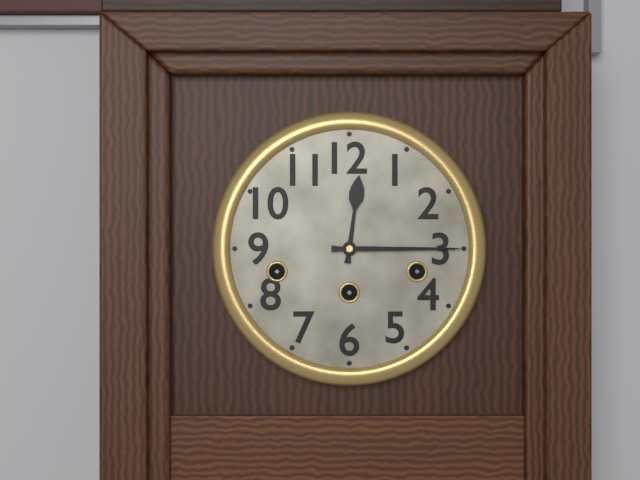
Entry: h=12 m=15
